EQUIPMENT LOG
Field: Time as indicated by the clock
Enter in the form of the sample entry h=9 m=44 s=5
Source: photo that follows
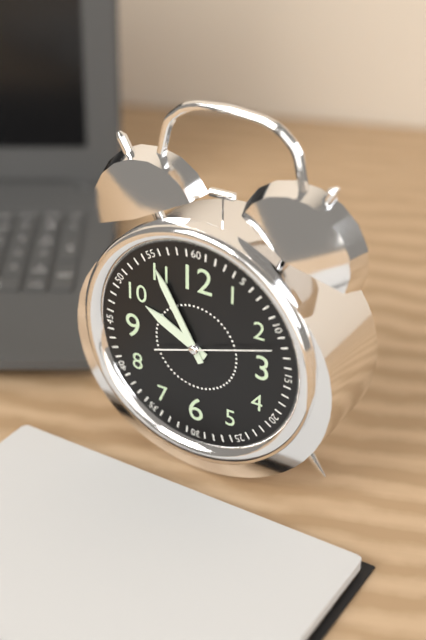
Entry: h=9 m=55 s=12
